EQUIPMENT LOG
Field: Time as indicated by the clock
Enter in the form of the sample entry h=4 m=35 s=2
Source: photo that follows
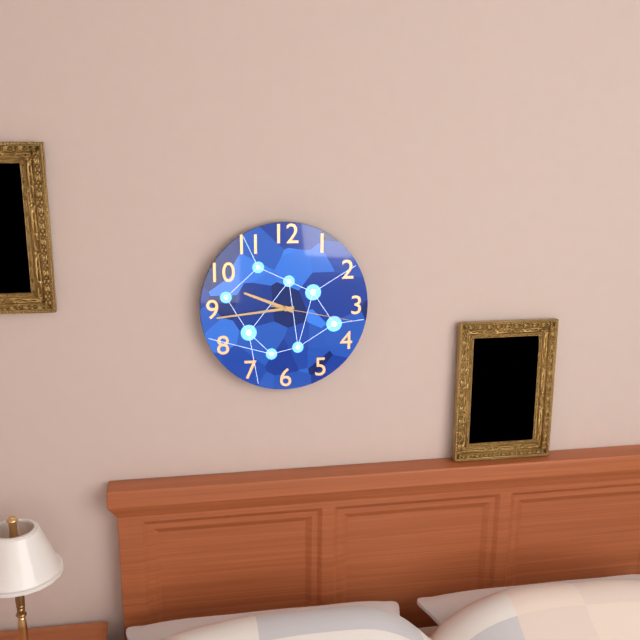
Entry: h=9 m=44 s=17
